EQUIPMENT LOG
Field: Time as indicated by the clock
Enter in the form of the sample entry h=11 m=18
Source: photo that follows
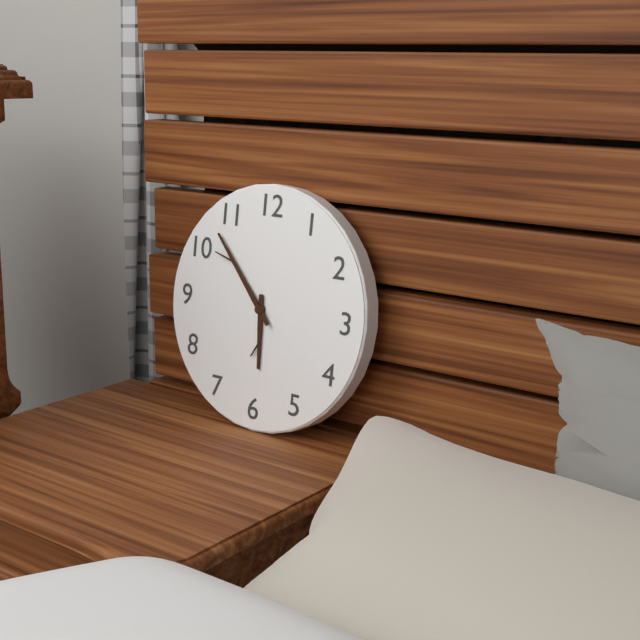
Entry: h=5 m=53
